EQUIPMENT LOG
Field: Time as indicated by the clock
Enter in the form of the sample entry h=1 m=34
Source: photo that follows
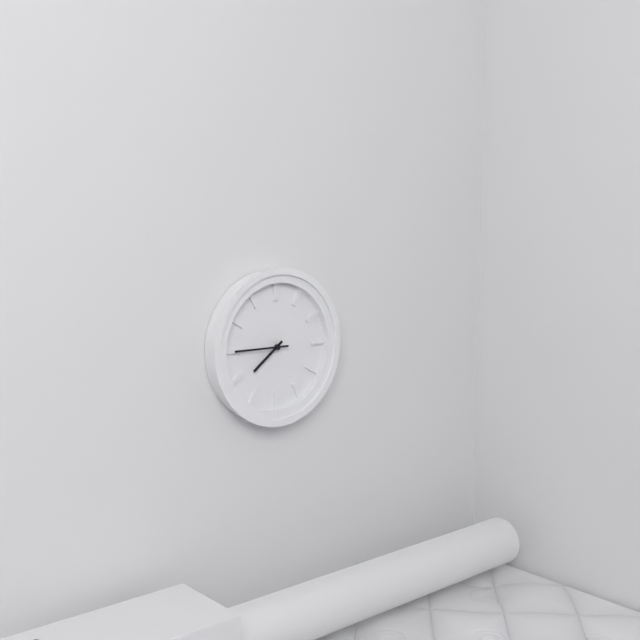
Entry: h=7 m=45
